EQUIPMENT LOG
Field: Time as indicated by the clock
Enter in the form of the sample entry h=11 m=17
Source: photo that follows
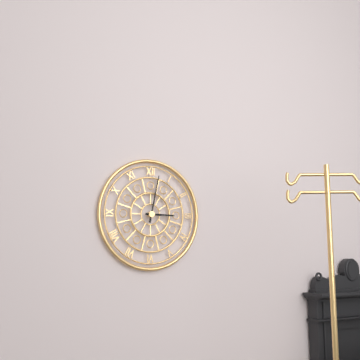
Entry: h=3 m=2
